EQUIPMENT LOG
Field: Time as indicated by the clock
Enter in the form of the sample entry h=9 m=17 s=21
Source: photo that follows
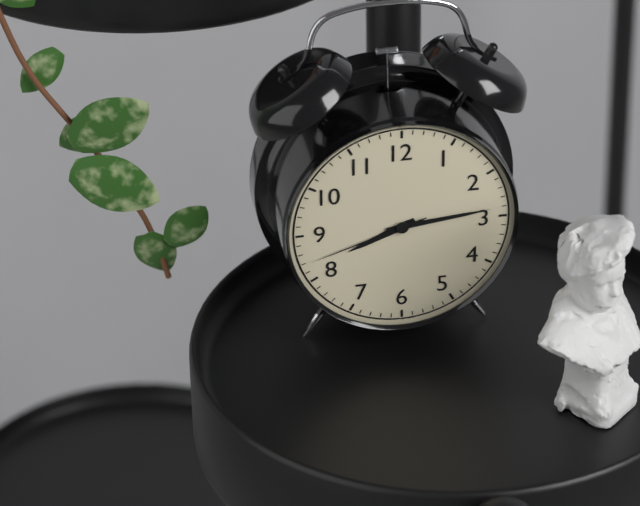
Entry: h=8 m=14 s=42
